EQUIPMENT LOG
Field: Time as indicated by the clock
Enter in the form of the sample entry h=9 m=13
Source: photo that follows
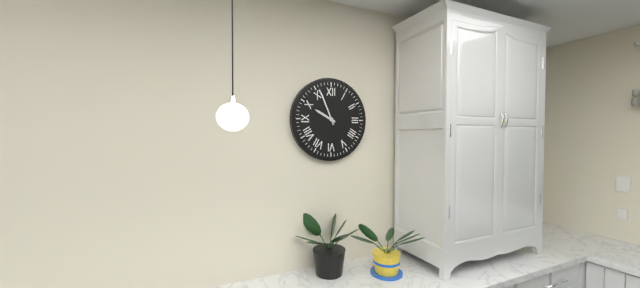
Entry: h=9 m=56
